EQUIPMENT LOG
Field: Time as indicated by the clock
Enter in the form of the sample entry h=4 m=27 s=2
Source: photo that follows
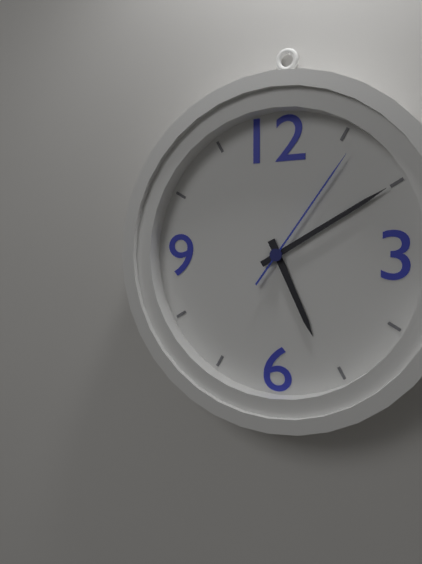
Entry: h=5 m=10 s=6
